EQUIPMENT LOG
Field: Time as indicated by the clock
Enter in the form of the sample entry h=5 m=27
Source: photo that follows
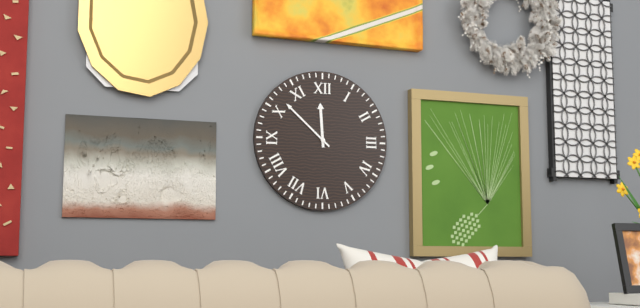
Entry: h=11 m=52
